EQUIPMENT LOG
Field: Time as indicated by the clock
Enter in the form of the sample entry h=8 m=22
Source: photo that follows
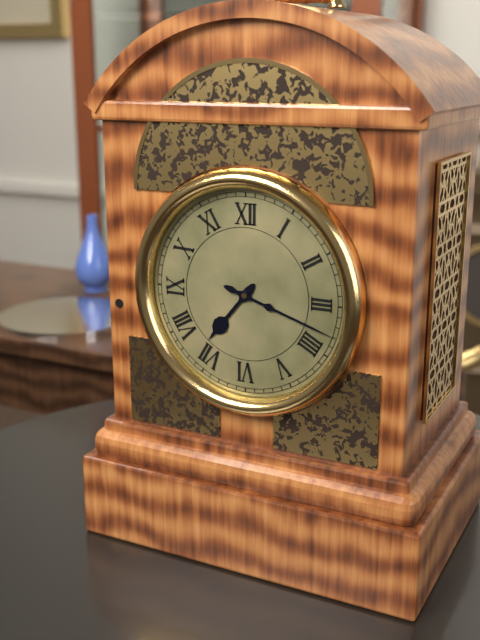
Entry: h=7 m=18
